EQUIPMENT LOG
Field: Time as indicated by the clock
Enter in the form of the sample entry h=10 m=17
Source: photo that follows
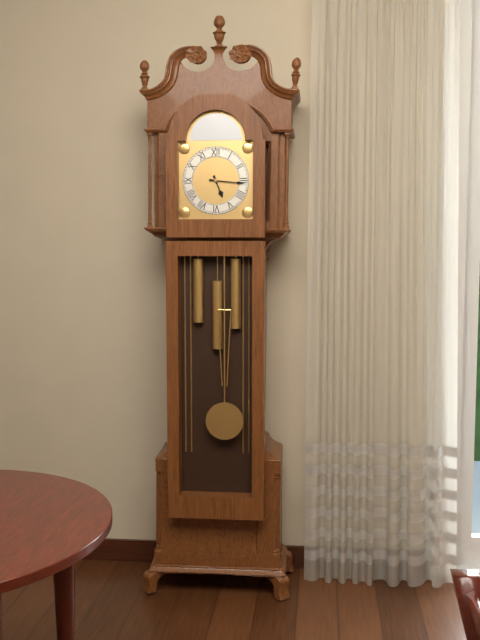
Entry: h=5 m=16
